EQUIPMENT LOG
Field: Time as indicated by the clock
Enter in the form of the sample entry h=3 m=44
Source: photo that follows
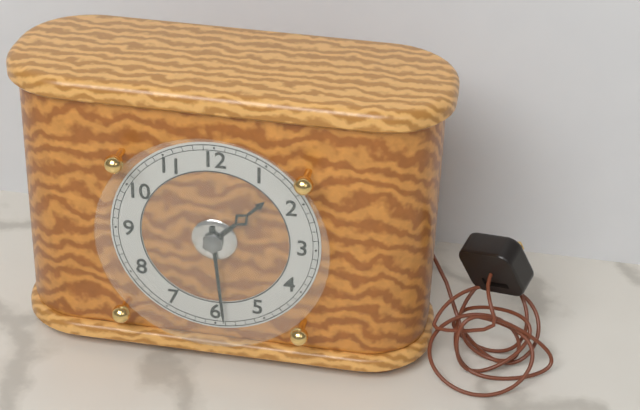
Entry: h=1 m=29
